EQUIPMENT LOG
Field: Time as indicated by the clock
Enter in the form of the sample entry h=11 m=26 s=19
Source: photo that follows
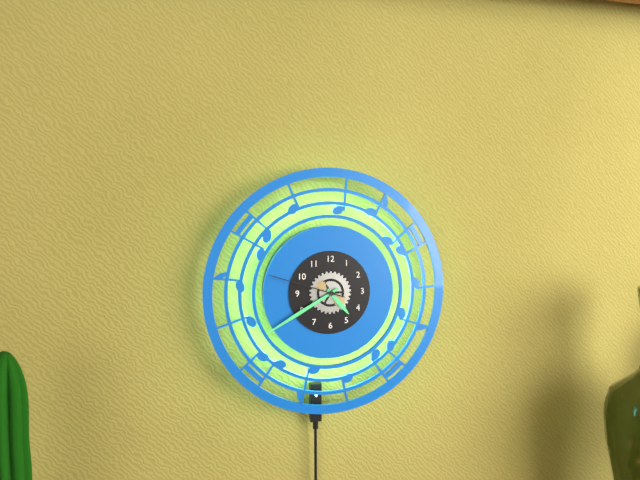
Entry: h=4 m=40 s=48
